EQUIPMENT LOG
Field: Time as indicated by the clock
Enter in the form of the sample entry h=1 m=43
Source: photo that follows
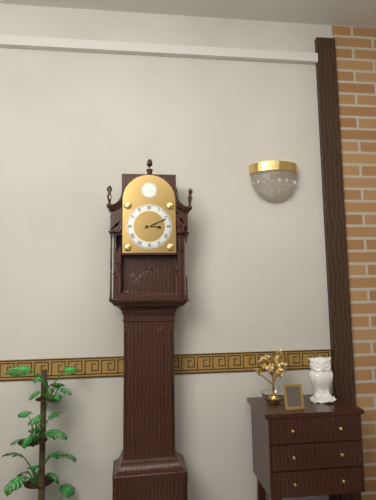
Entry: h=3 m=11
